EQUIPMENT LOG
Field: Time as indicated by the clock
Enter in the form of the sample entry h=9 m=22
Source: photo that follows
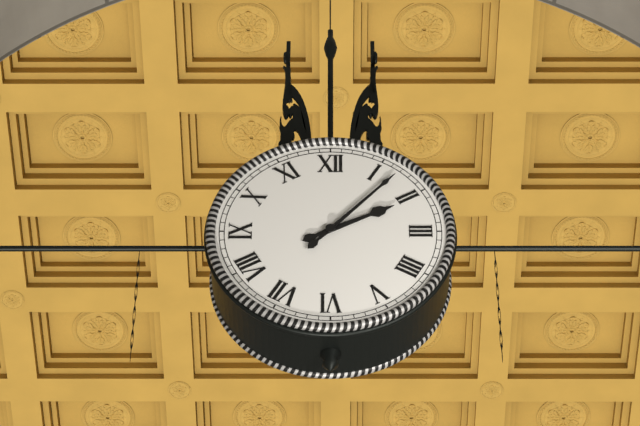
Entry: h=2 m=7
